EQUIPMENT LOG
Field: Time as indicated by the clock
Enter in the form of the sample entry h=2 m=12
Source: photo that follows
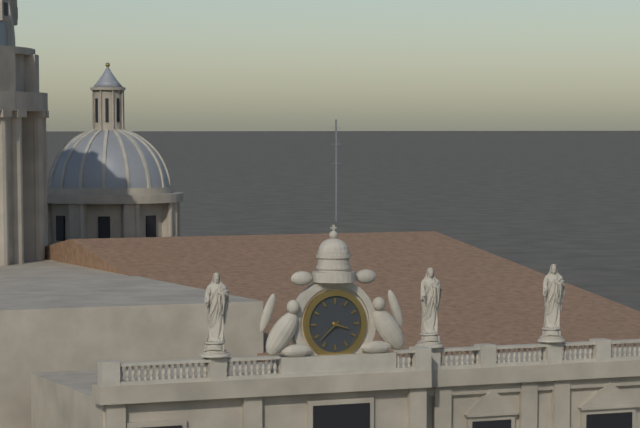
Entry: h=3 m=38
